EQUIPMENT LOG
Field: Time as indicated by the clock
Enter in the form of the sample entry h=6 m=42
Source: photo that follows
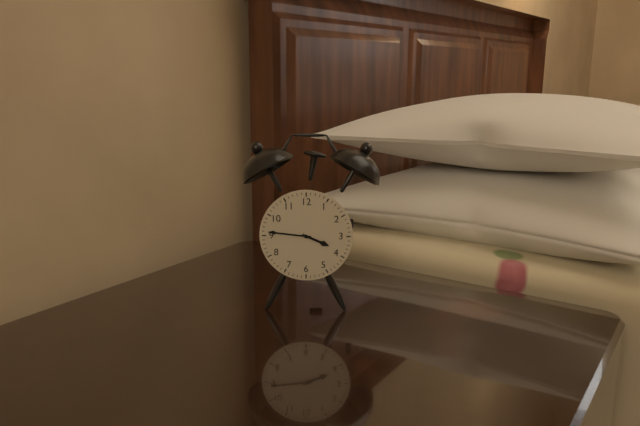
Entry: h=3 m=46
